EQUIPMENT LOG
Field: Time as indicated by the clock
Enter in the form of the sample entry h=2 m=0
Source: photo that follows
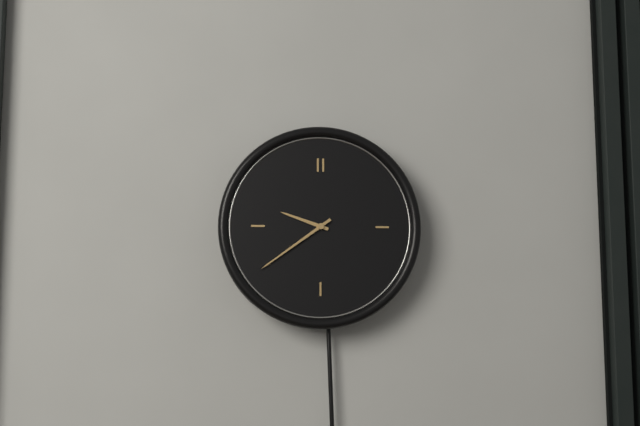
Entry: h=9 m=39
